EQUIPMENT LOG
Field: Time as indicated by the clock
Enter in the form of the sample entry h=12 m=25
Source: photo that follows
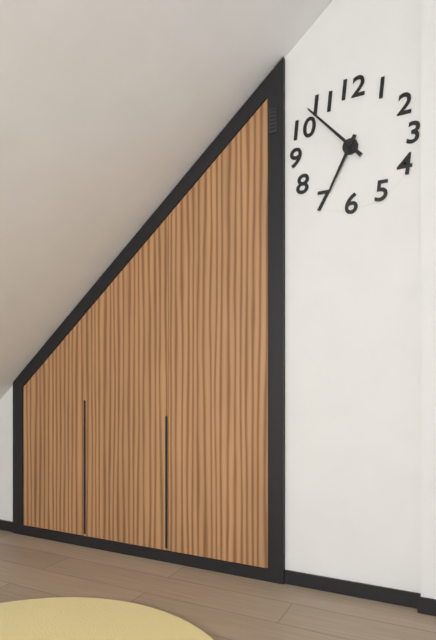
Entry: h=6 m=53
